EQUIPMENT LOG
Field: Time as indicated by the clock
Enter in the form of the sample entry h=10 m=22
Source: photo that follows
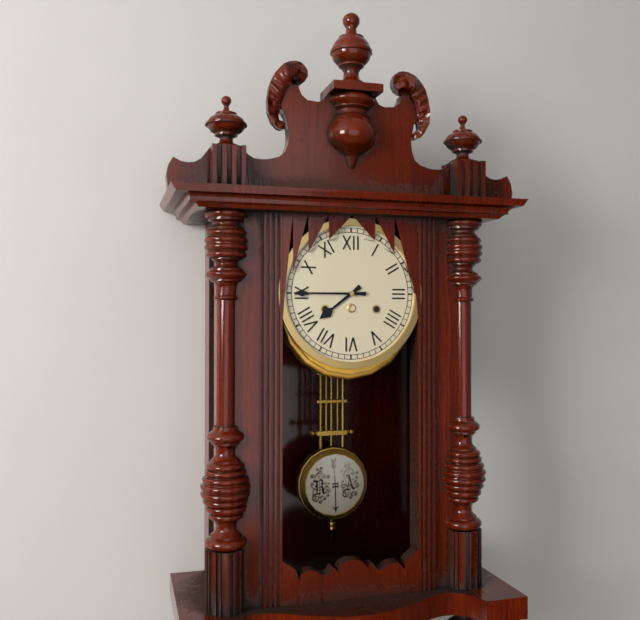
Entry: h=7 m=45
